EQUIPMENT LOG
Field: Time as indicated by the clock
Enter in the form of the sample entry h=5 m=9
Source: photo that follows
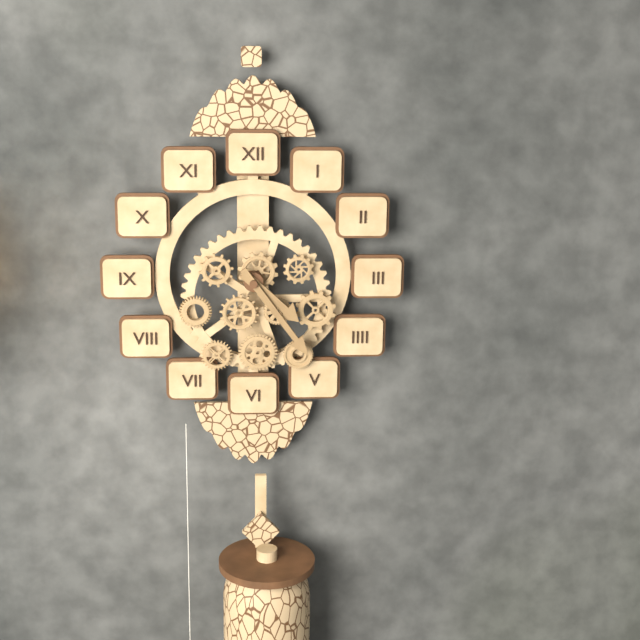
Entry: h=4 m=24
